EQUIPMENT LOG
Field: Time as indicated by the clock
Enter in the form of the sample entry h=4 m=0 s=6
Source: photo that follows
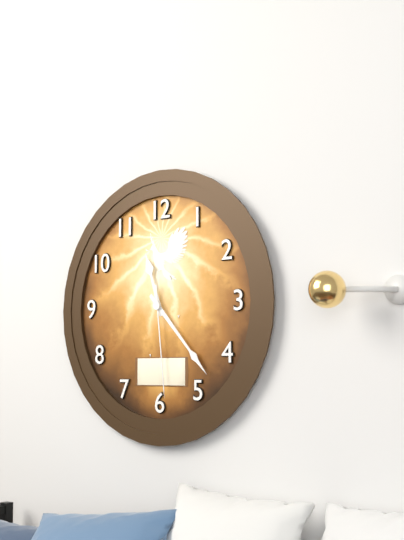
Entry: h=11 m=23 s=29
